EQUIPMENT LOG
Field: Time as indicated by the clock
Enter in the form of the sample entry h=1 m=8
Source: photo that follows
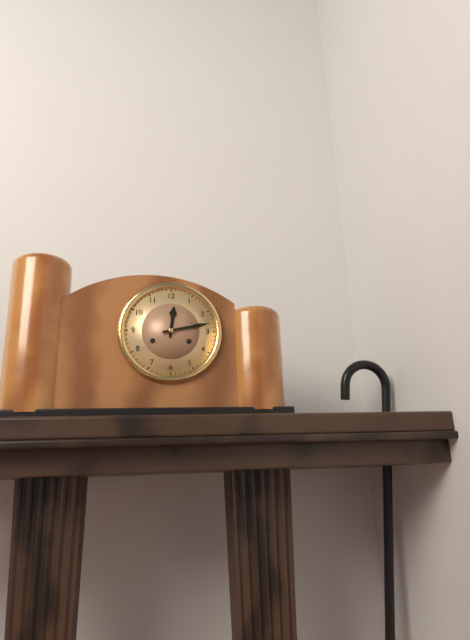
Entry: h=12 m=13
